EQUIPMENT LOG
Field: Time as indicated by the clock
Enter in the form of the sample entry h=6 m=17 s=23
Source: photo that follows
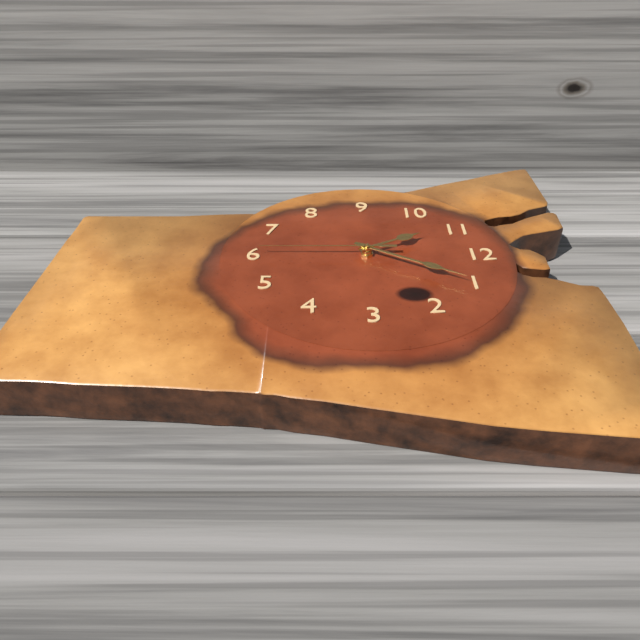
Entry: h=11 m=5 s=30
